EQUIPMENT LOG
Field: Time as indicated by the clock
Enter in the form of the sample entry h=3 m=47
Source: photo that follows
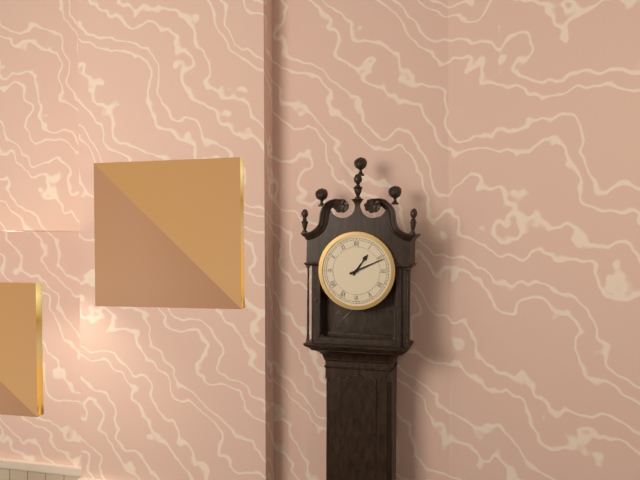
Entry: h=1 m=11
